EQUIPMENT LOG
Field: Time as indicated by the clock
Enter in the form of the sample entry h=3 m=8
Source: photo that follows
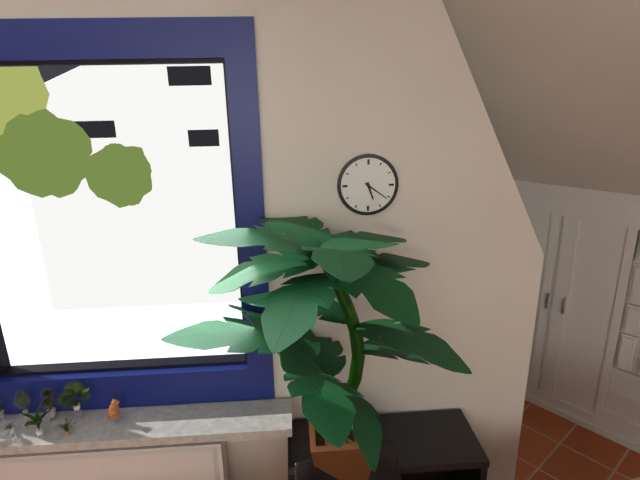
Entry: h=5 m=21
